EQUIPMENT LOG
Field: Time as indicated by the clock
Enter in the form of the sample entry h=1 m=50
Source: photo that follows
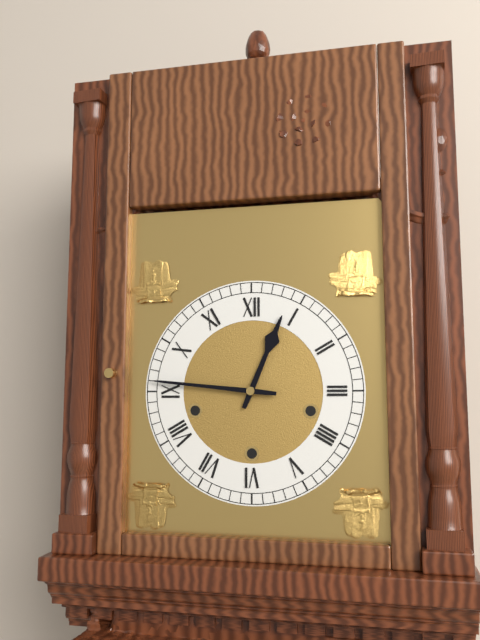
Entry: h=12 m=46
